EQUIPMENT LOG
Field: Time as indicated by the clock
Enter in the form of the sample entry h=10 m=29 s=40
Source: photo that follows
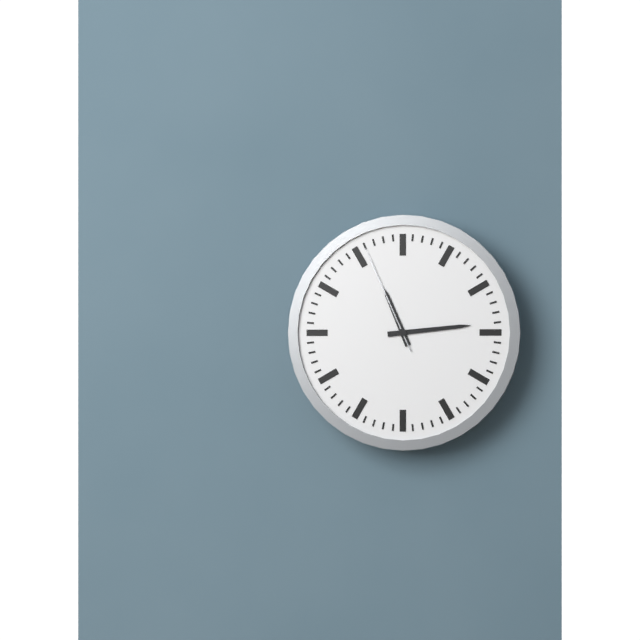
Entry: h=11 m=14 s=56
